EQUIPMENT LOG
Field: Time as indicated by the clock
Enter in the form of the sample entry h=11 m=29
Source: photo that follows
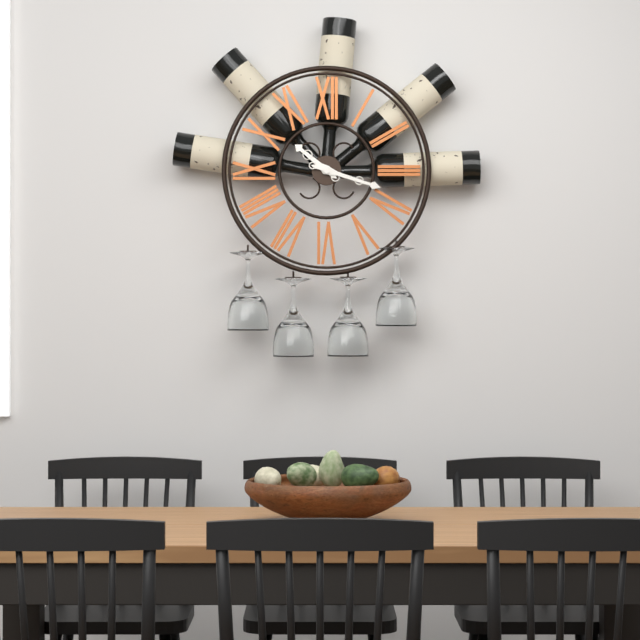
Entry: h=10 m=18
